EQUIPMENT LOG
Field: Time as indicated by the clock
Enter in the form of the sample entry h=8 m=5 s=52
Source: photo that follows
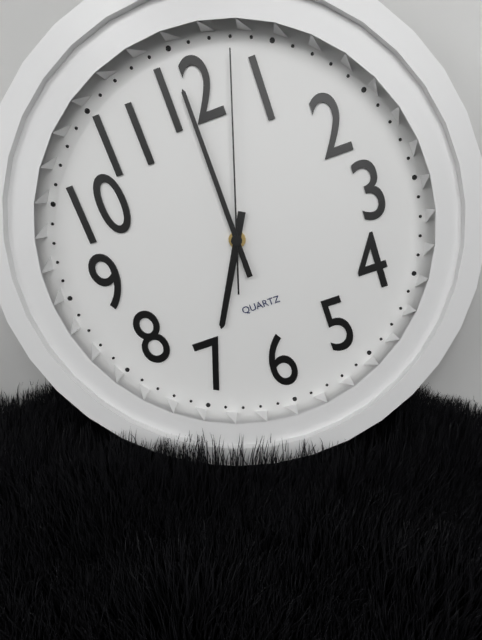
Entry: h=7 m=0 s=3
